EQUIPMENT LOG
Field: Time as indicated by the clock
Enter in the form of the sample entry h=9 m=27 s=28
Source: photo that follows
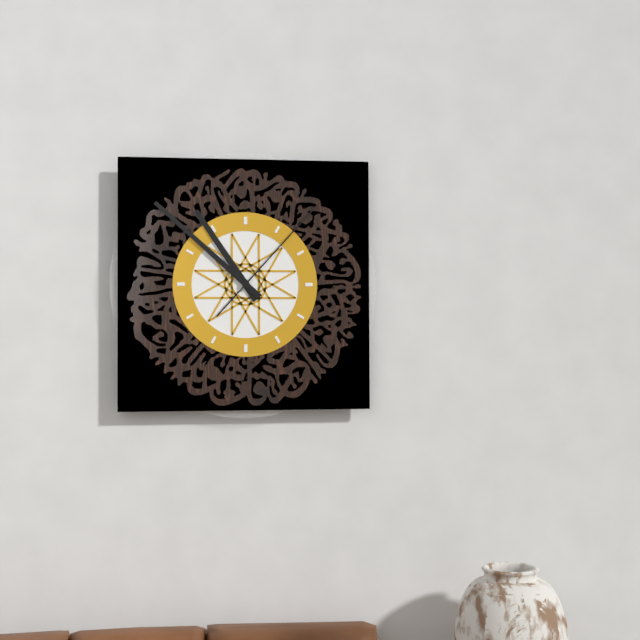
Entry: h=10 m=52 s=7
